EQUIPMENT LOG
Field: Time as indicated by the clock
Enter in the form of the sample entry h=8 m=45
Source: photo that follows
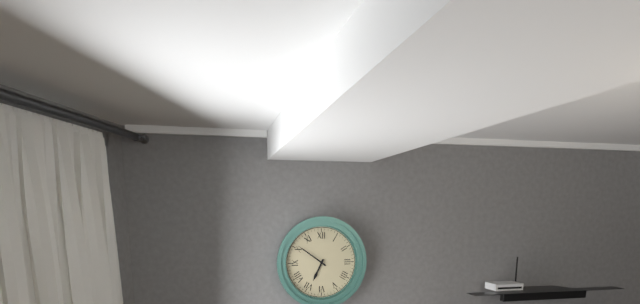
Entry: h=6 m=51
